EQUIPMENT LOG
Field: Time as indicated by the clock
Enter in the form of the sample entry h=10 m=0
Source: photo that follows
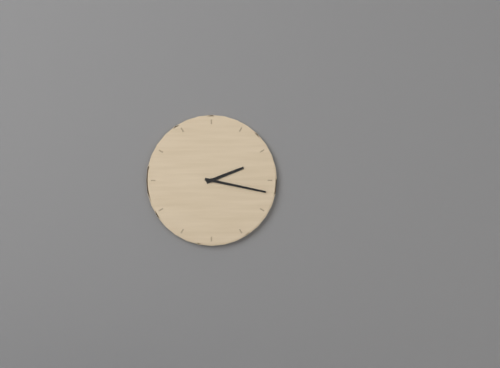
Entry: h=2 m=17
